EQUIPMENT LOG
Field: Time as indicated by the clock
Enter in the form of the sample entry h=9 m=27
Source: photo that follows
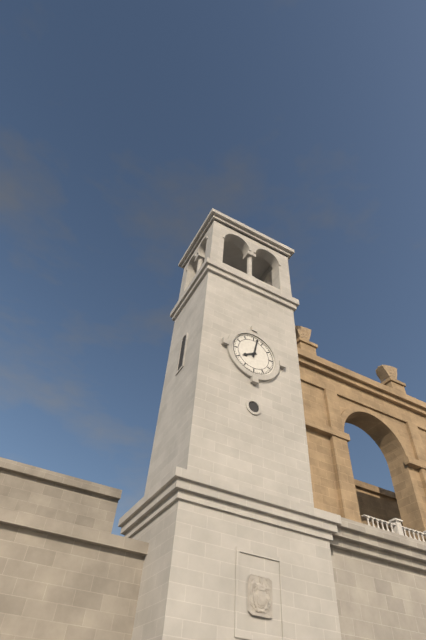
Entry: h=8 m=2
